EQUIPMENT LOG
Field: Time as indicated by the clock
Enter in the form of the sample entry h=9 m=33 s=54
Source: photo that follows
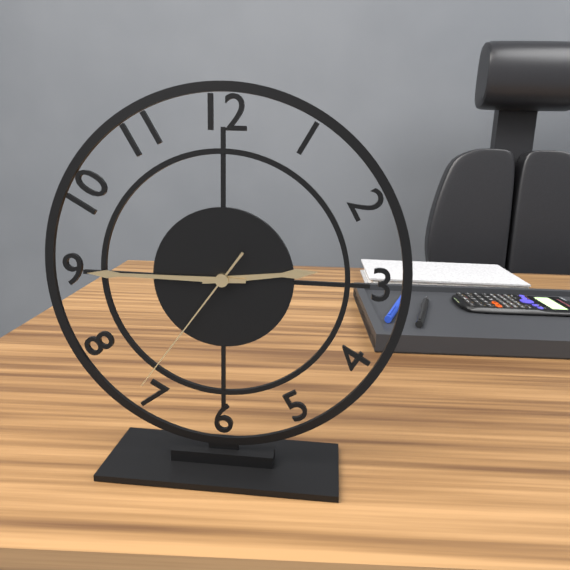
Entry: h=2 m=45 s=36
